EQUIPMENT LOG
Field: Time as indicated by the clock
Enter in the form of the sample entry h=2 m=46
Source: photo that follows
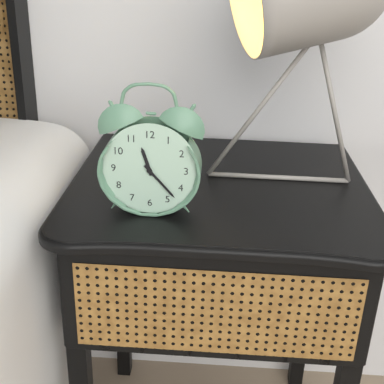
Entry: h=11 m=23
